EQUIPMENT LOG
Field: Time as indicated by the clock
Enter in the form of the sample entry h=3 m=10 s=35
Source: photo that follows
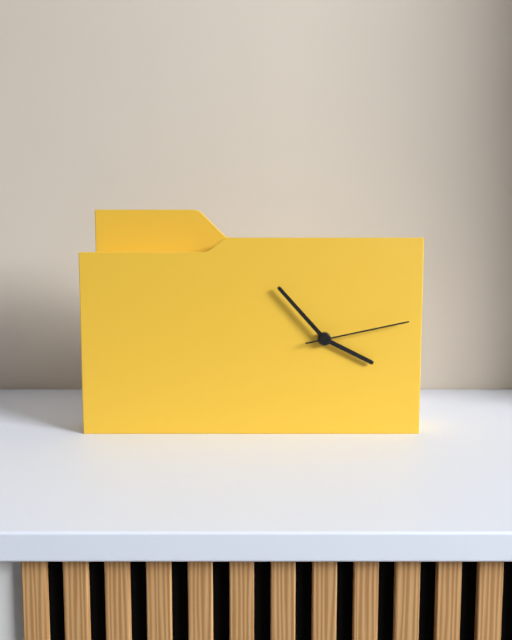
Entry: h=3 m=53 s=13
